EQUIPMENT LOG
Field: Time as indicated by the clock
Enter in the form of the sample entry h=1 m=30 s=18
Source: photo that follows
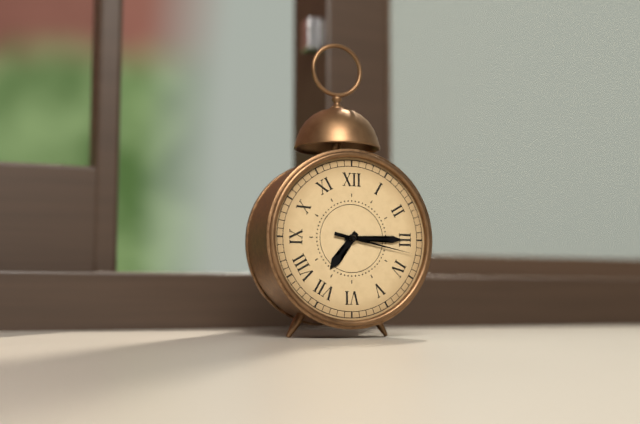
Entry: h=7 m=15 s=17
